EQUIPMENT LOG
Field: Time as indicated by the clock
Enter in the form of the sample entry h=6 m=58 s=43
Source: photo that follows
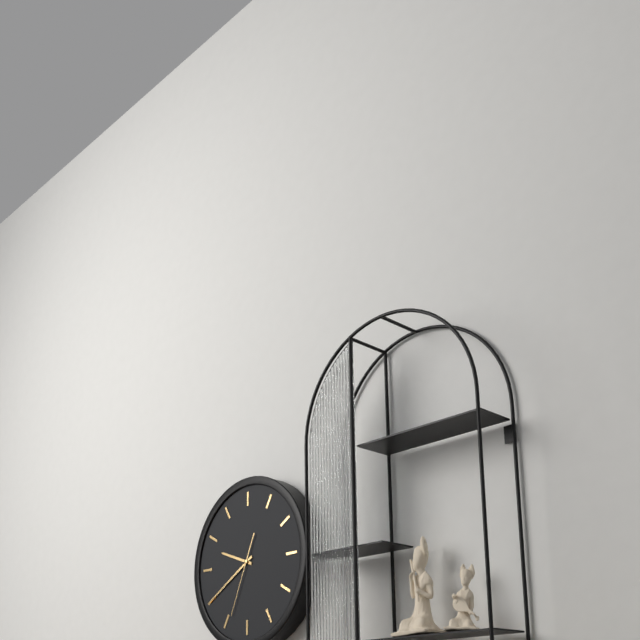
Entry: h=9 m=40 s=34
